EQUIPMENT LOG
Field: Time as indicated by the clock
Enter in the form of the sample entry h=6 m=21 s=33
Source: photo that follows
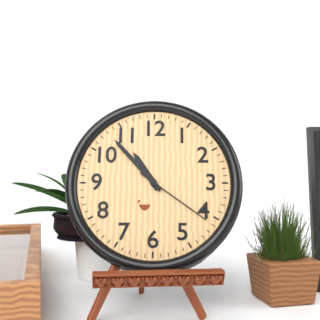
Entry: h=10 m=53 s=21
